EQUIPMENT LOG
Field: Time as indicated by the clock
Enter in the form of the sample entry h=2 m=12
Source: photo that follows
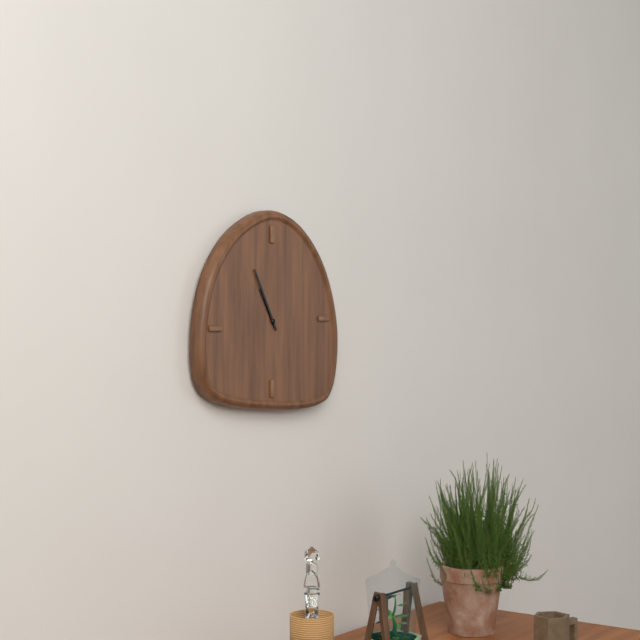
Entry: h=10 m=55
